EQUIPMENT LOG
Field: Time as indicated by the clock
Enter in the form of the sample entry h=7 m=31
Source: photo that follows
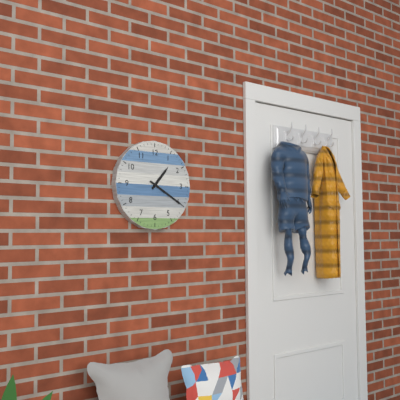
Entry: h=1 m=20
